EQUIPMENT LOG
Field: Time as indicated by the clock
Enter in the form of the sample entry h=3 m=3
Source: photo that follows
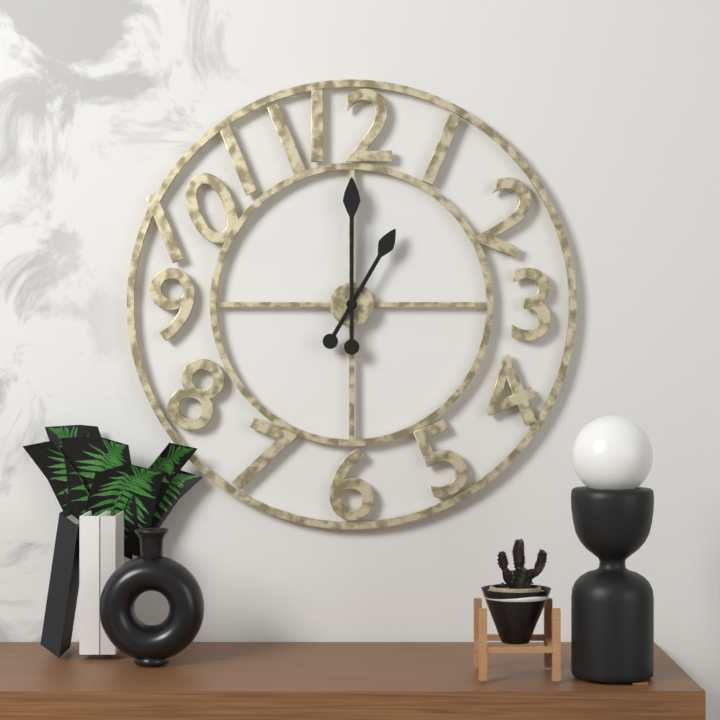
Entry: h=1 m=0
